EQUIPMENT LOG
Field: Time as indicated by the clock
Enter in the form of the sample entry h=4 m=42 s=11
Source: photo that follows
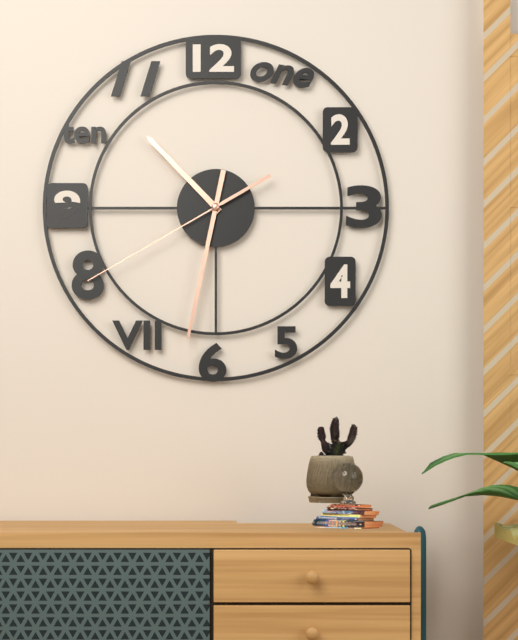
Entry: h=10 m=32 s=40
